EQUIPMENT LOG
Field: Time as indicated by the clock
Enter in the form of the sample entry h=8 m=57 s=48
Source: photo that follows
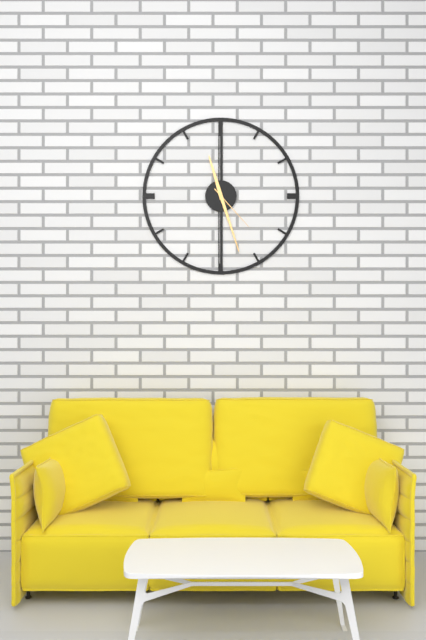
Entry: h=11 m=27 s=23
